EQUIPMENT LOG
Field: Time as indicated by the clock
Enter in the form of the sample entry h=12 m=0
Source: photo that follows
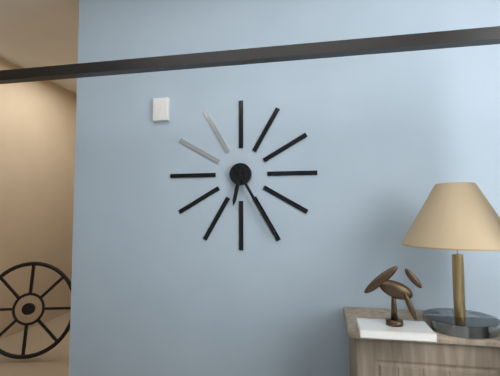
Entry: h=6 m=25
